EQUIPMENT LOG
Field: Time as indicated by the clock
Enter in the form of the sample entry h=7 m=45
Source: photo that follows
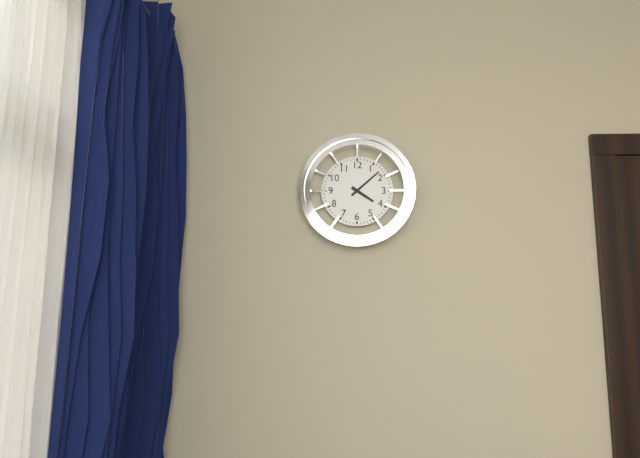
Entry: h=4 m=8
